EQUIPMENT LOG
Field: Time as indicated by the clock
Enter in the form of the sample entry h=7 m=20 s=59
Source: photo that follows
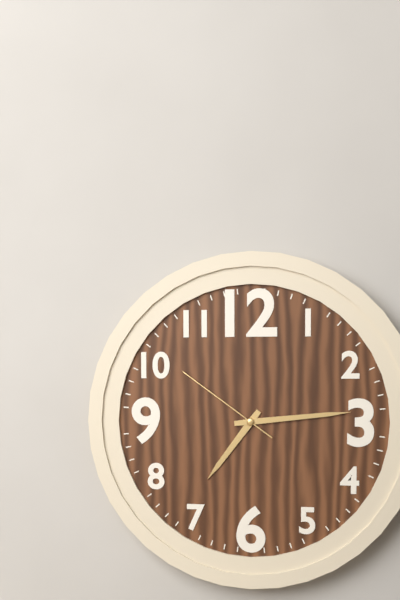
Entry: h=7 m=14 s=51
